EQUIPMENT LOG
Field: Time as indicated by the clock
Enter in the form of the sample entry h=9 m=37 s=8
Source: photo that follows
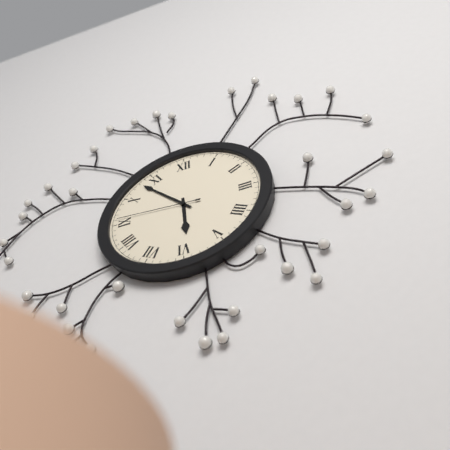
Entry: h=5 m=53 s=46
